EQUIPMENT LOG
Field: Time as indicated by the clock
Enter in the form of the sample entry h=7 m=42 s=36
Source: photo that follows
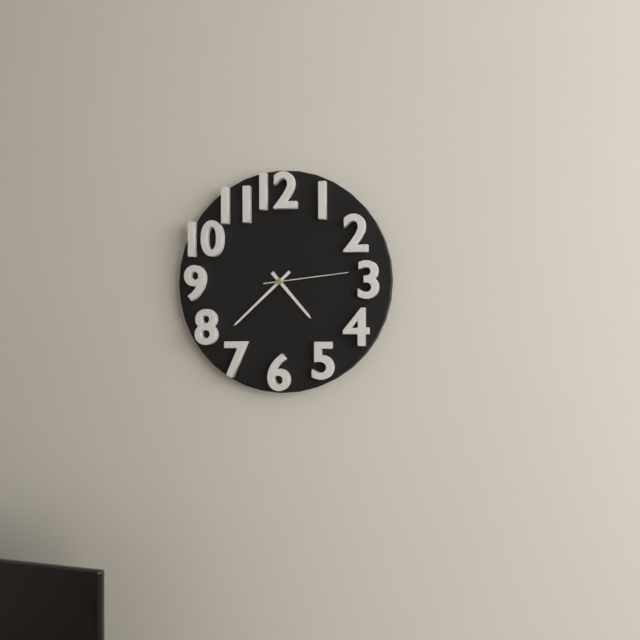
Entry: h=4 m=38 s=14
